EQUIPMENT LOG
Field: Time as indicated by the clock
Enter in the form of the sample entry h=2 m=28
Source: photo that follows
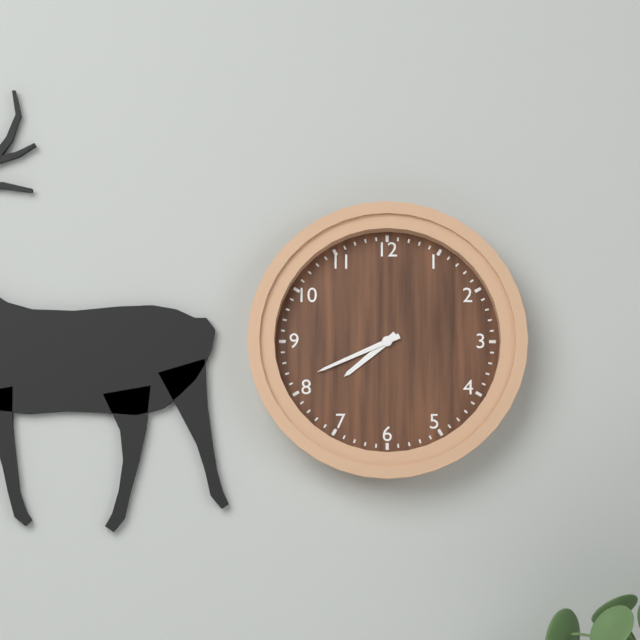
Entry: h=7 m=41
